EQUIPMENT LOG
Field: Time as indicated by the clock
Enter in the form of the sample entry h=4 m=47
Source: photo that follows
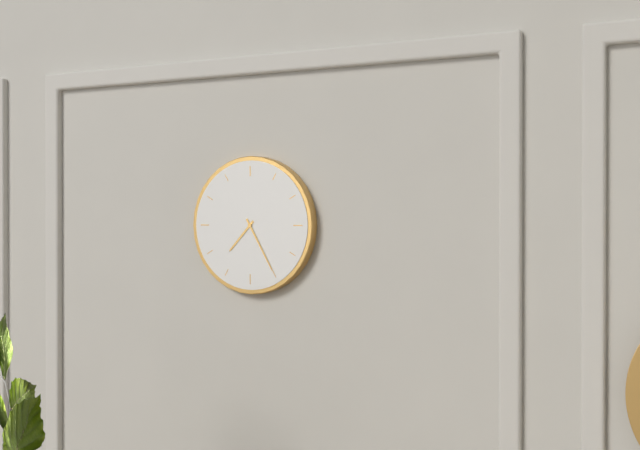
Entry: h=7 m=25
